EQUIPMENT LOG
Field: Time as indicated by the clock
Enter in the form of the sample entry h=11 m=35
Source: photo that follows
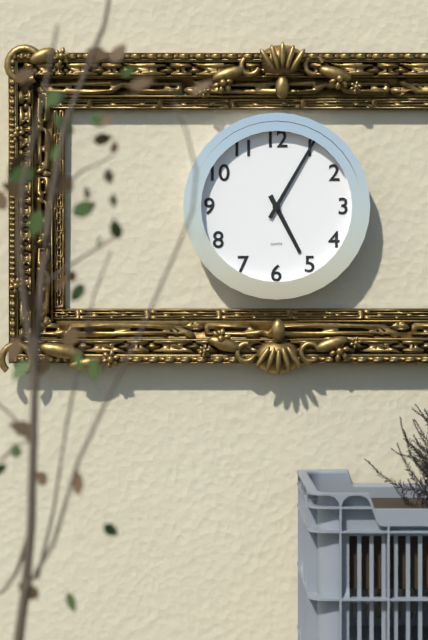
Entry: h=5 m=5
